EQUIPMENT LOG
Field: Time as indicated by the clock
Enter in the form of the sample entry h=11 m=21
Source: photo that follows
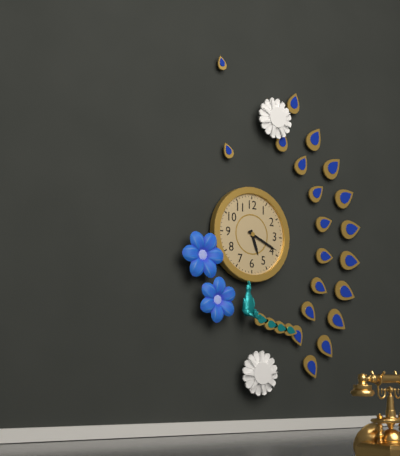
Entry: h=5 m=19
